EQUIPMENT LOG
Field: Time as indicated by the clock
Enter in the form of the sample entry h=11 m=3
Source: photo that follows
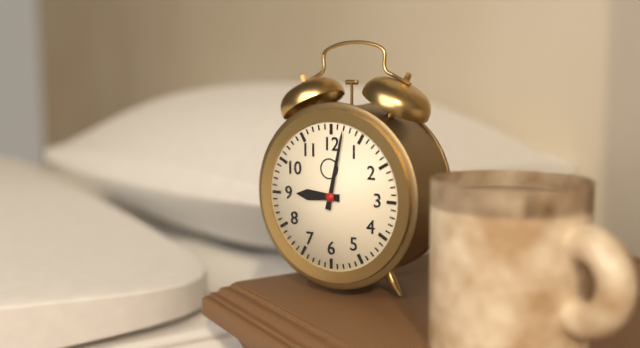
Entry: h=9 m=2
